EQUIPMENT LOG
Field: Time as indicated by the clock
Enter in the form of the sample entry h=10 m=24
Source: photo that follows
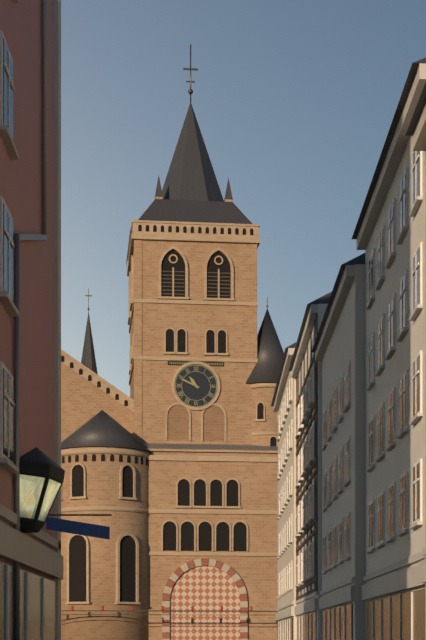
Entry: h=10 m=49
